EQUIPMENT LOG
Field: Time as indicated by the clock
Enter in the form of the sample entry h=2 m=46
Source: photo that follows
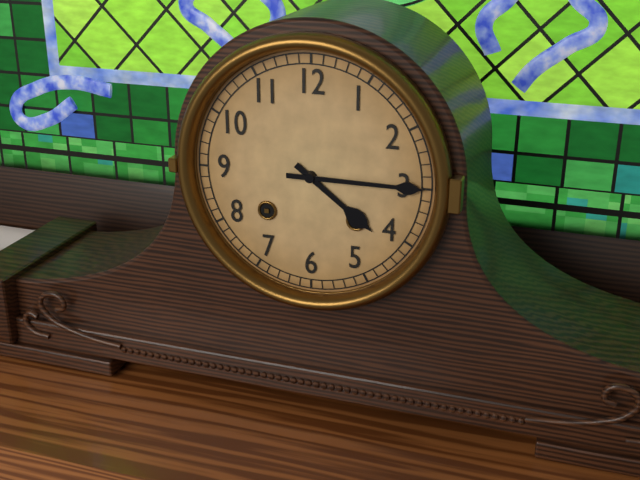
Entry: h=4 m=15
